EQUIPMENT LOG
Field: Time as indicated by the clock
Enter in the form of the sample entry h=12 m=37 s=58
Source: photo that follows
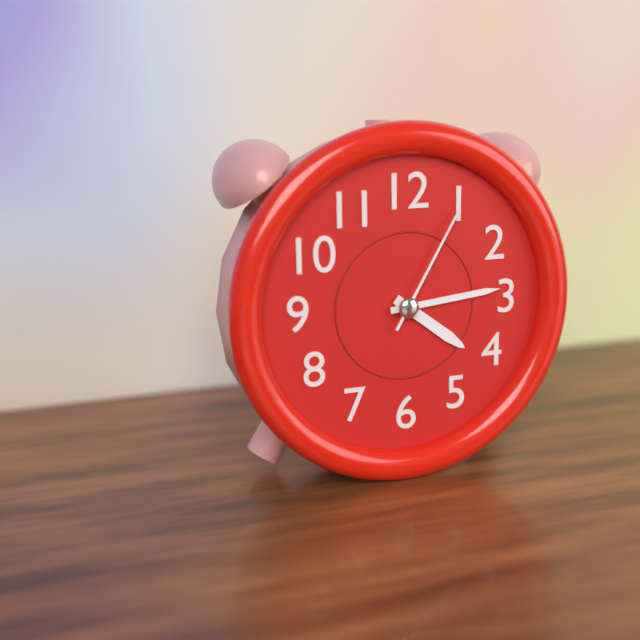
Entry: h=4 m=14 s=5
